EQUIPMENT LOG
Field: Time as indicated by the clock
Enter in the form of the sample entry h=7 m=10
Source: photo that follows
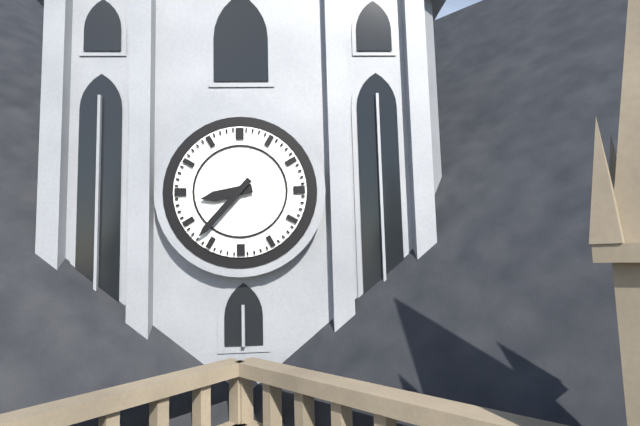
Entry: h=8 m=37
